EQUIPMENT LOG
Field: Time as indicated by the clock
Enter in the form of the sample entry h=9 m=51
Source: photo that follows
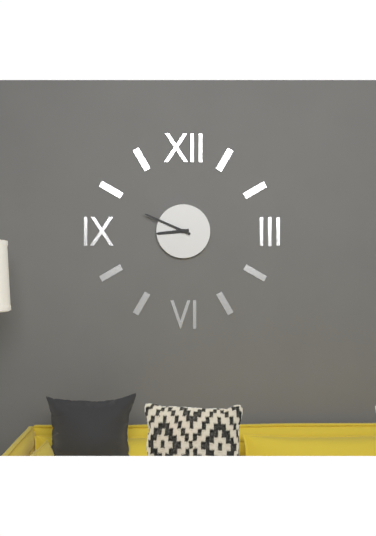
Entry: h=8 m=49
